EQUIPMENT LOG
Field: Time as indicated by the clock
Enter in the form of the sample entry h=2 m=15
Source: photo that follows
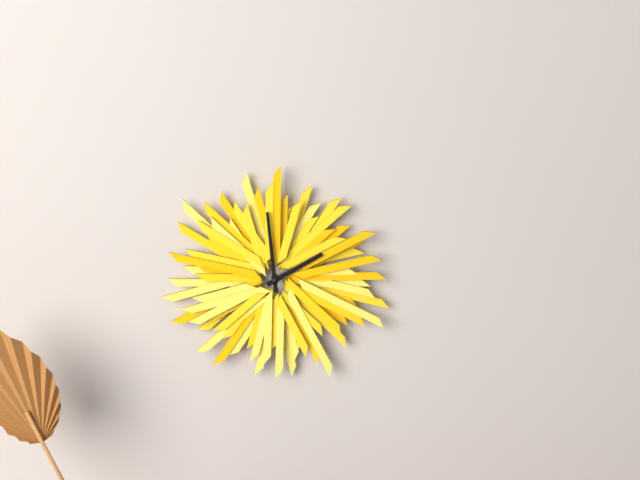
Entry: h=1 m=59
